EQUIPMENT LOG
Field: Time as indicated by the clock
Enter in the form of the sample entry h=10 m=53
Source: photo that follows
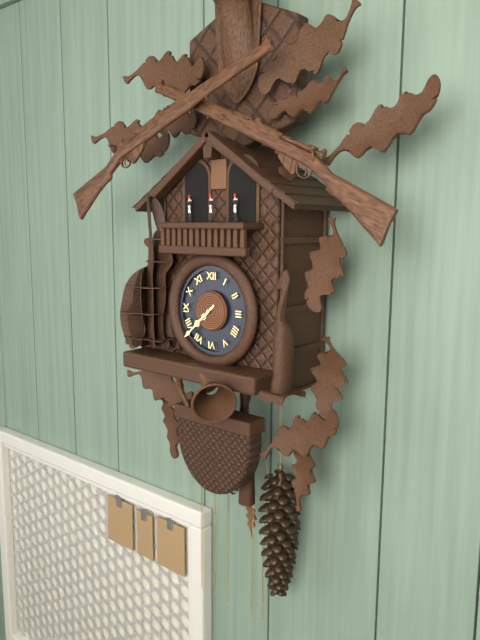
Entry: h=7 m=38
